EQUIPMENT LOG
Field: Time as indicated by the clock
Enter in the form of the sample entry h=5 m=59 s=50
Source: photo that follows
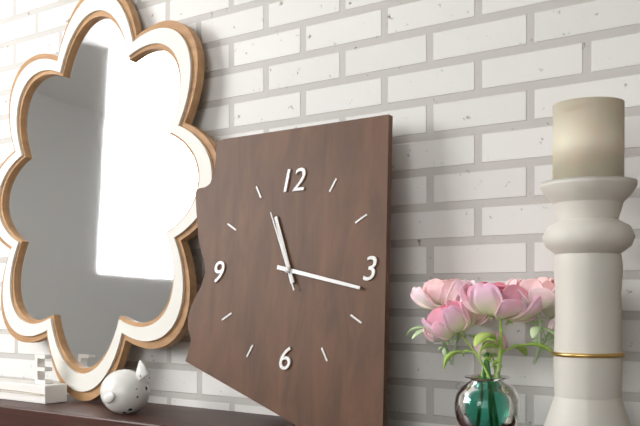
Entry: h=11 m=17 s=56
